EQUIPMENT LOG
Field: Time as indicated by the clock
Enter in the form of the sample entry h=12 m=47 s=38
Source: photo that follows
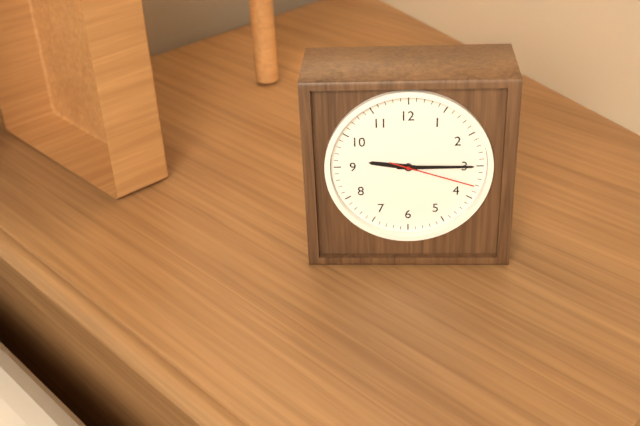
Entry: h=9 m=15 s=18
